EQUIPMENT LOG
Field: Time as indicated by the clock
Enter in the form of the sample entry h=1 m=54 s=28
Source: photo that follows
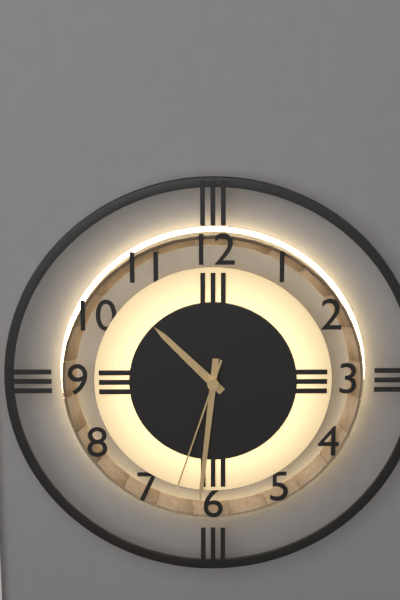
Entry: h=10 m=31 s=33
